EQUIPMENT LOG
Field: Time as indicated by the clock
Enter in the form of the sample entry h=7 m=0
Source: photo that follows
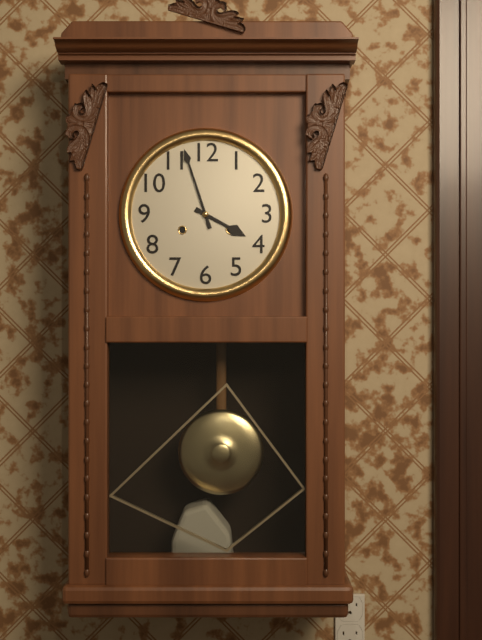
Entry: h=3 m=57
